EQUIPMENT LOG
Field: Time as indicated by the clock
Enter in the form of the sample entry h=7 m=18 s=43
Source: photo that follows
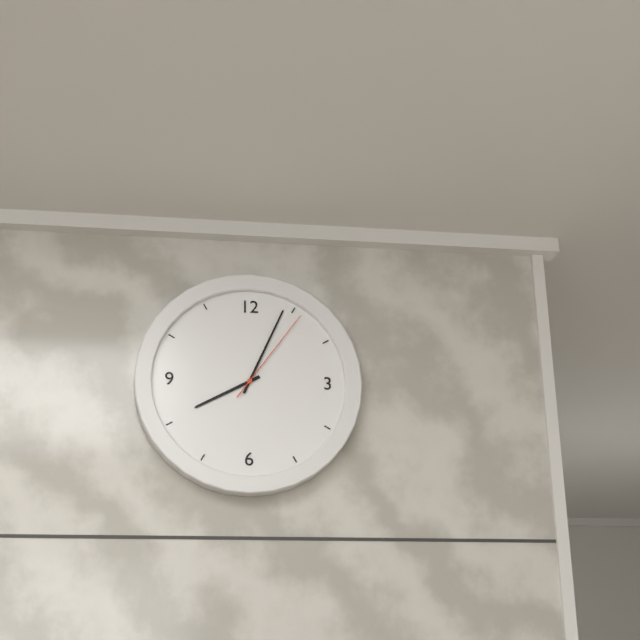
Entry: h=8 m=4 s=6
